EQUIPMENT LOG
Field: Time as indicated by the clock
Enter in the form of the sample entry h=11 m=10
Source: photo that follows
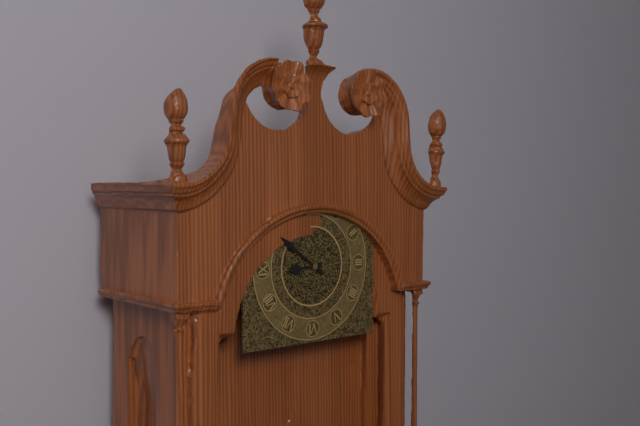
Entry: h=8 m=51
